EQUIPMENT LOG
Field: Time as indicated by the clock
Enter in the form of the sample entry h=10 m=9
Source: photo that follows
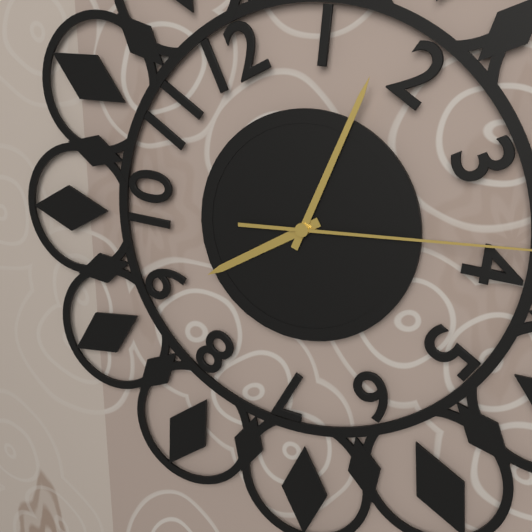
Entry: h=8 m=4
